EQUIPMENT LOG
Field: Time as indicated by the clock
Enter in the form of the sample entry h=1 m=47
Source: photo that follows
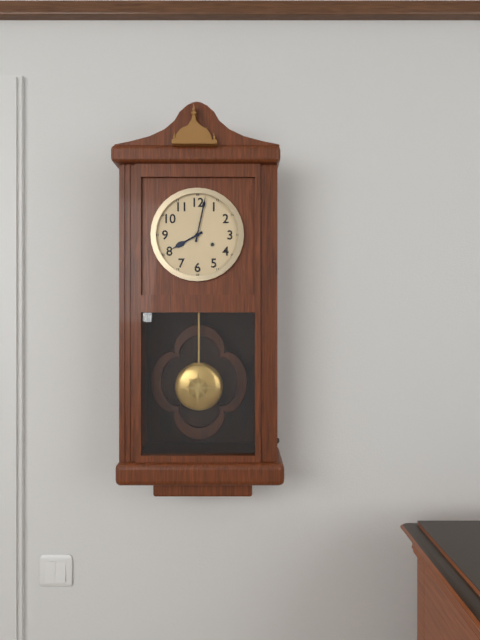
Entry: h=8 m=2
